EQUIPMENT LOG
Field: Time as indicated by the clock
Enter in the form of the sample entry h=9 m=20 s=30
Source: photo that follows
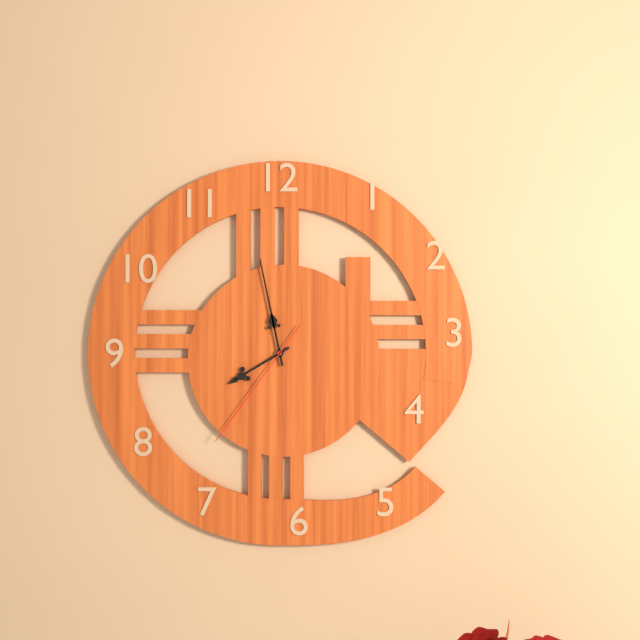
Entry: h=7 m=58 s=36
